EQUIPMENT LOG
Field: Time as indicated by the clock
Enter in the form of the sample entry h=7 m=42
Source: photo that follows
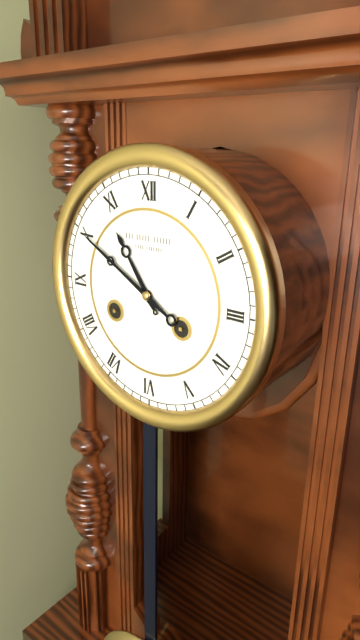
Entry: h=10 m=50
